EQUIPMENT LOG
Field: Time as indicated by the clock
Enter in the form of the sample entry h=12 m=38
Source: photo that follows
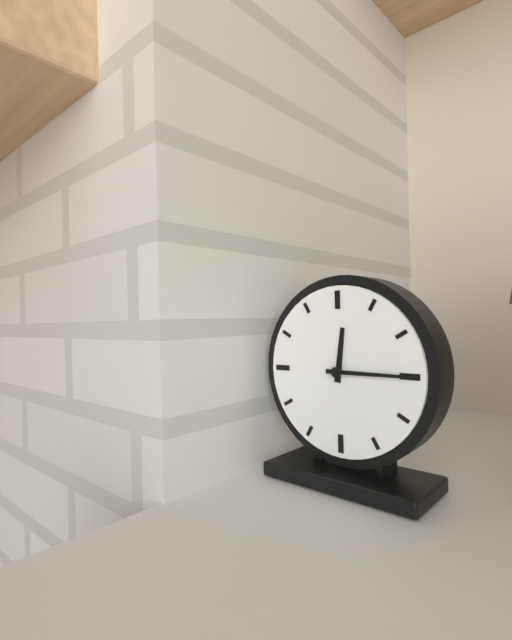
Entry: h=12 m=15
